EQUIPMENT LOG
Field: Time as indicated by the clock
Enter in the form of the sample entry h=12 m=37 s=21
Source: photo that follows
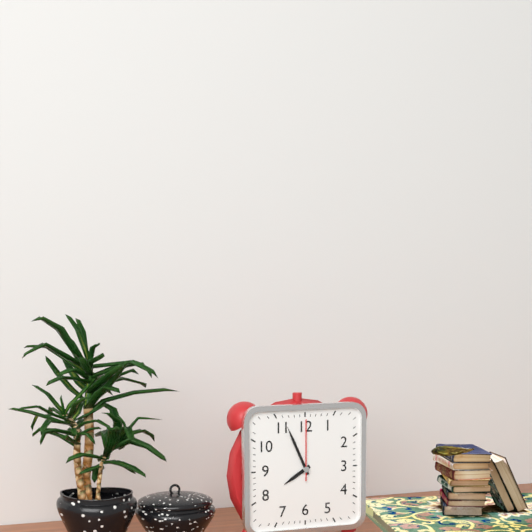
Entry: h=7 m=56 s=0
